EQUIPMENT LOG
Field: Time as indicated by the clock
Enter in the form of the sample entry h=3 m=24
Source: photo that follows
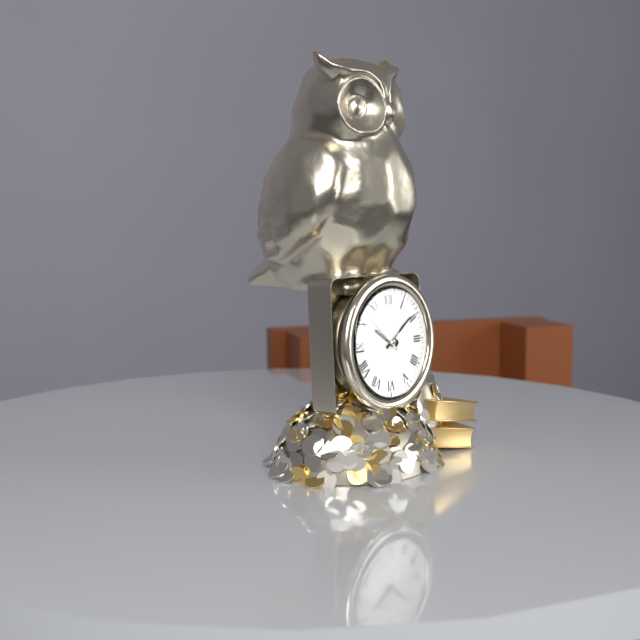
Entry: h=10 m=9
